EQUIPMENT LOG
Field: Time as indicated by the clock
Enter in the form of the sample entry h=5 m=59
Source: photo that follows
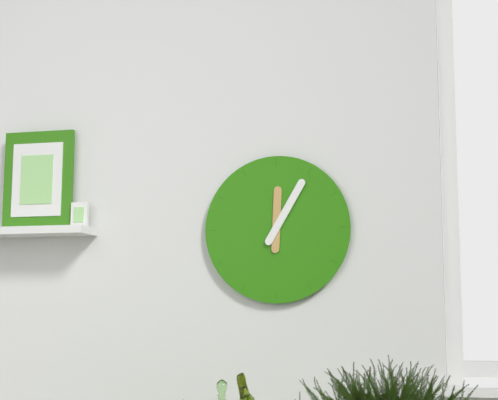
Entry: h=12 m=5
